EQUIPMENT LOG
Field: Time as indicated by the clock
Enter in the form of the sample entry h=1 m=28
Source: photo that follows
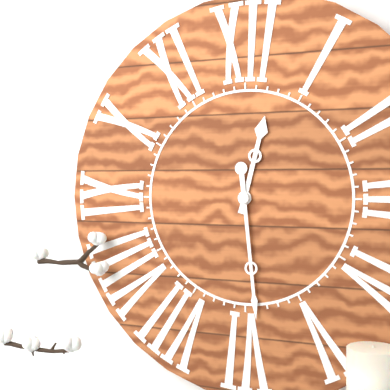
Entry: h=12 m=29
